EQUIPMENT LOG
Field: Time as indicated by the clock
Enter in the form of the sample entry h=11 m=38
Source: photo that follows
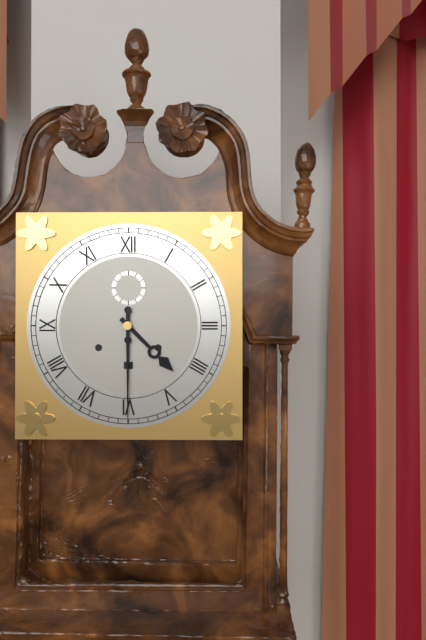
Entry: h=4 m=30
